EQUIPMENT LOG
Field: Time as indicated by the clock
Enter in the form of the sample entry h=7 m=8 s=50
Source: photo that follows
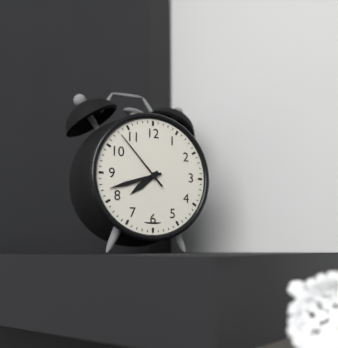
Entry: h=7 m=42 s=53
